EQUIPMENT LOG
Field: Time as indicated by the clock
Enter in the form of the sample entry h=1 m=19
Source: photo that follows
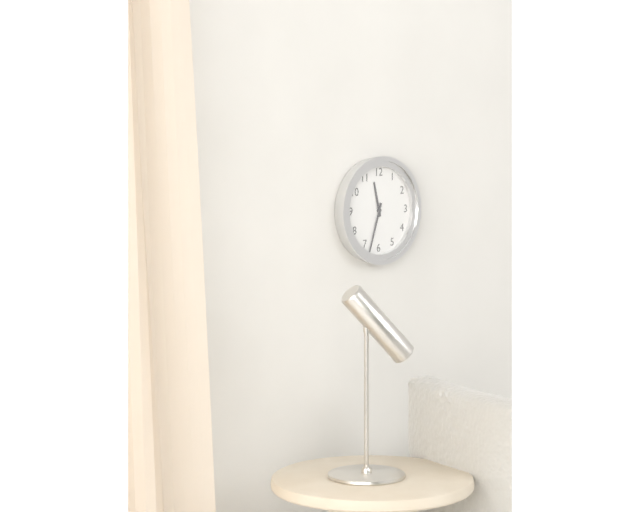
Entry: h=11 m=33
